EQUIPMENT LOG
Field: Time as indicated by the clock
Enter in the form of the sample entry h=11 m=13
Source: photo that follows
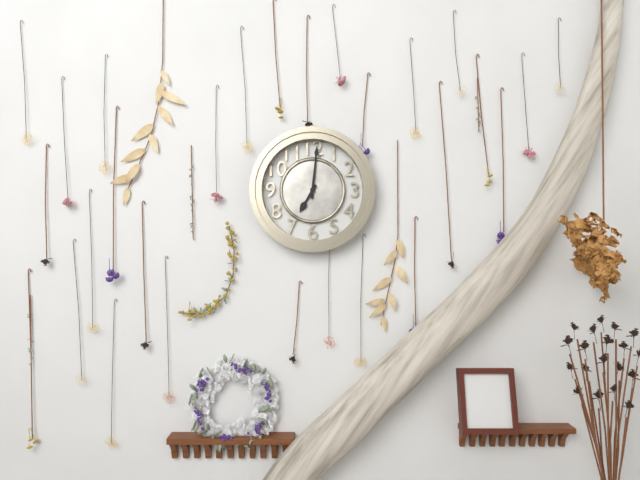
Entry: h=7 m=1
